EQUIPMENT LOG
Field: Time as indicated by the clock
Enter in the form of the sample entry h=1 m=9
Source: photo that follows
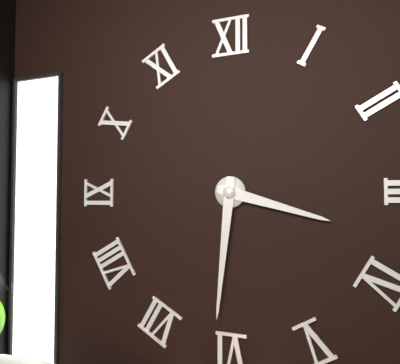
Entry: h=3 m=31
